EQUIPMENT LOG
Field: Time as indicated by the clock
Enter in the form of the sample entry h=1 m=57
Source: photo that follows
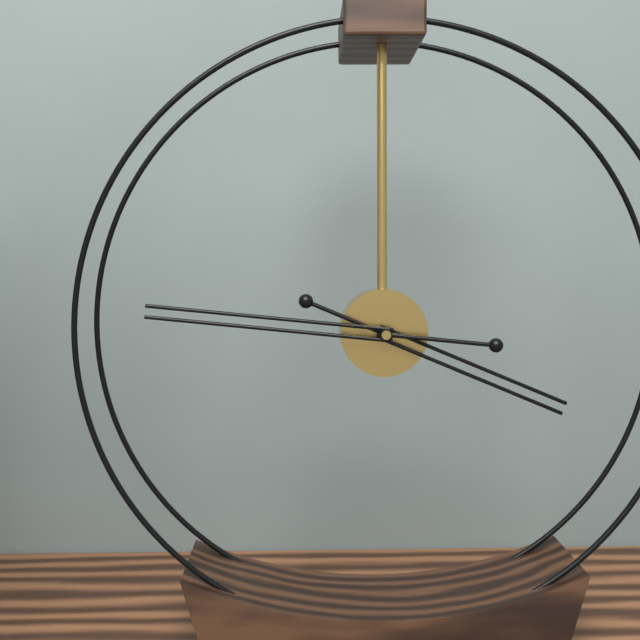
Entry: h=3 m=46
